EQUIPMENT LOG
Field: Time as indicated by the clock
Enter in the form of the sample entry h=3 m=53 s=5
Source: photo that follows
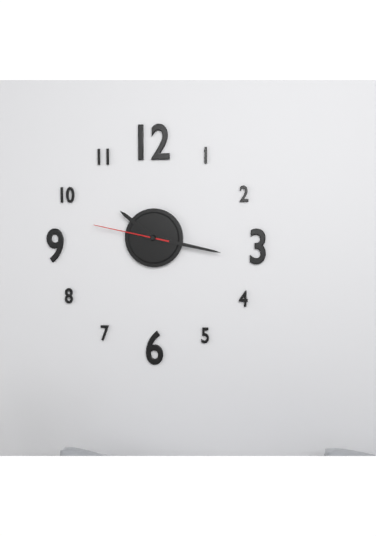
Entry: h=10 m=17 s=47
